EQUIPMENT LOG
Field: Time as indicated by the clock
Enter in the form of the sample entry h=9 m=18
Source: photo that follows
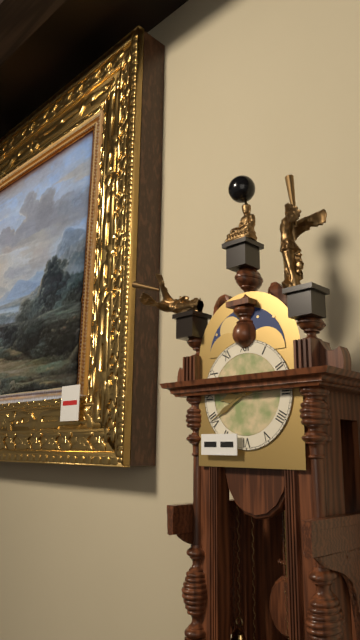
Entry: h=8 m=40
